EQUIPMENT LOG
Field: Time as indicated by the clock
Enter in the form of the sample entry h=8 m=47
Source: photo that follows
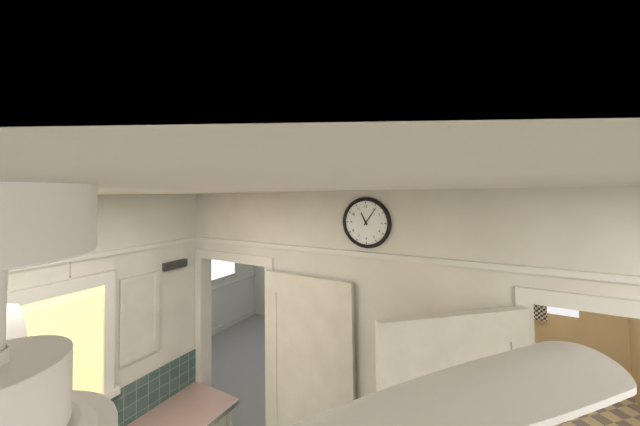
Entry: h=11 m=6
